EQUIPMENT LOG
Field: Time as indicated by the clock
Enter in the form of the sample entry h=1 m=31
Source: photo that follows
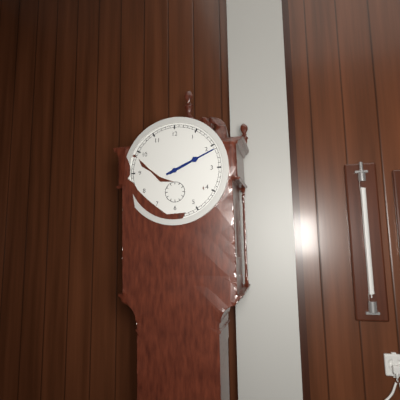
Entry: h=2 m=11
